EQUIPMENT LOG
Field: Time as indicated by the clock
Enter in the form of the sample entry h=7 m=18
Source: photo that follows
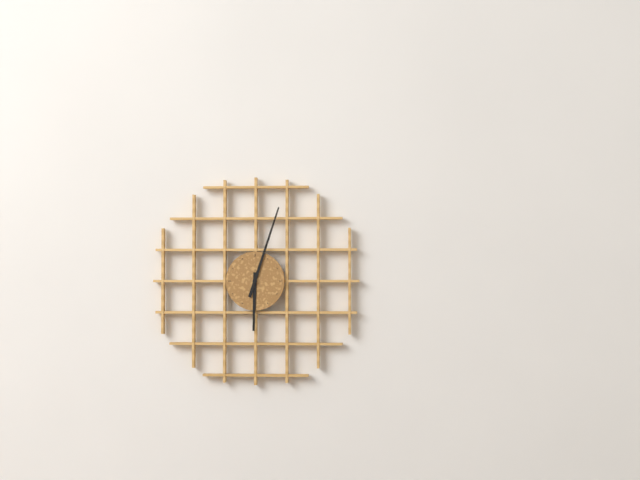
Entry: h=6 m=3
